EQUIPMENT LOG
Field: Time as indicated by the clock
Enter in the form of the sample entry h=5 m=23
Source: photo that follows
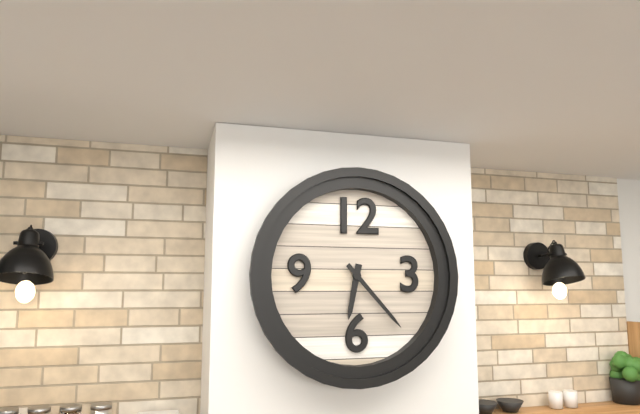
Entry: h=6 m=23
